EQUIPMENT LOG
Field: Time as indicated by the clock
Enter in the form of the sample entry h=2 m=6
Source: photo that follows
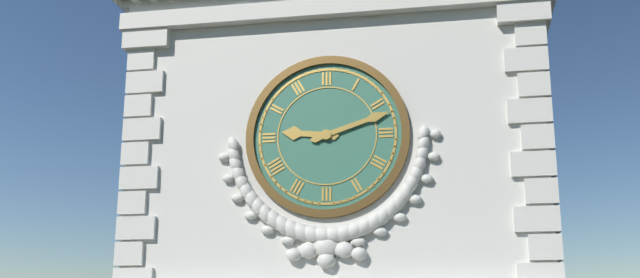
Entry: h=9 m=12
